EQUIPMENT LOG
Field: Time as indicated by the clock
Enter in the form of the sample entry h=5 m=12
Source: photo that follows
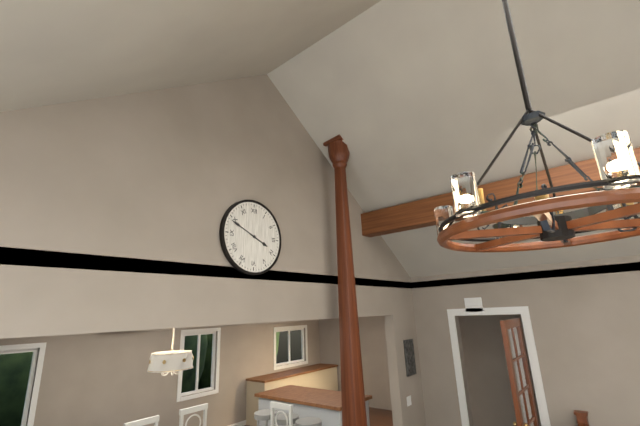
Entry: h=3 m=49
